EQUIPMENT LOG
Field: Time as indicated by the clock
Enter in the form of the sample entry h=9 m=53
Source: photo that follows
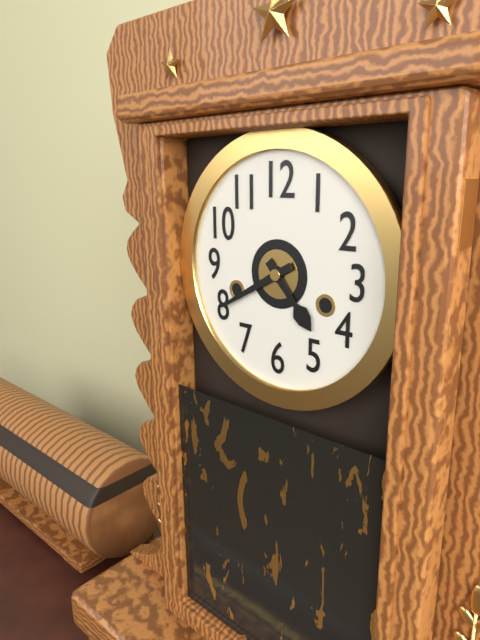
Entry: h=4 m=40
